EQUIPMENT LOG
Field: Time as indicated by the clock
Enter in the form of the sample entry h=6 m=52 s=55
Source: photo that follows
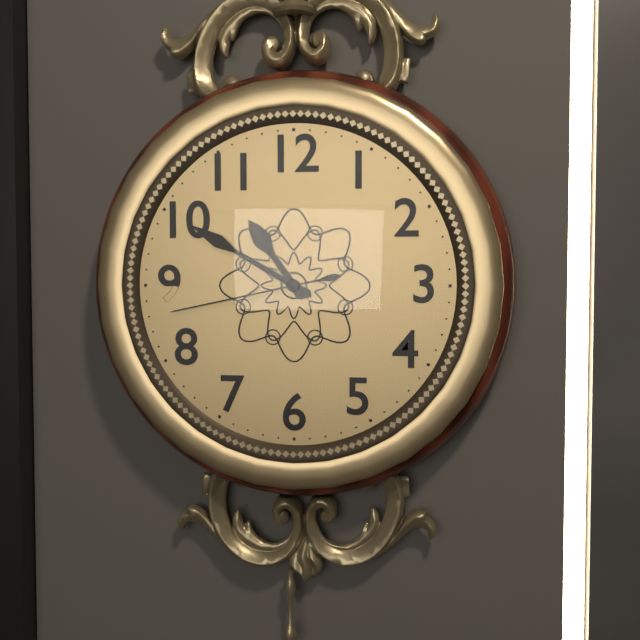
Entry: h=10 m=50 s=43
